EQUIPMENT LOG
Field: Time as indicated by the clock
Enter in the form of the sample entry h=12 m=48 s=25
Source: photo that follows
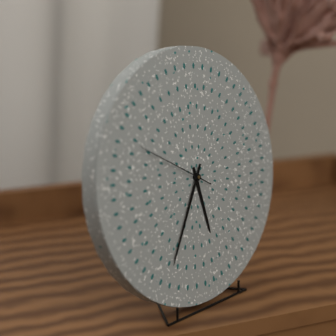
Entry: h=5 m=35 s=50
